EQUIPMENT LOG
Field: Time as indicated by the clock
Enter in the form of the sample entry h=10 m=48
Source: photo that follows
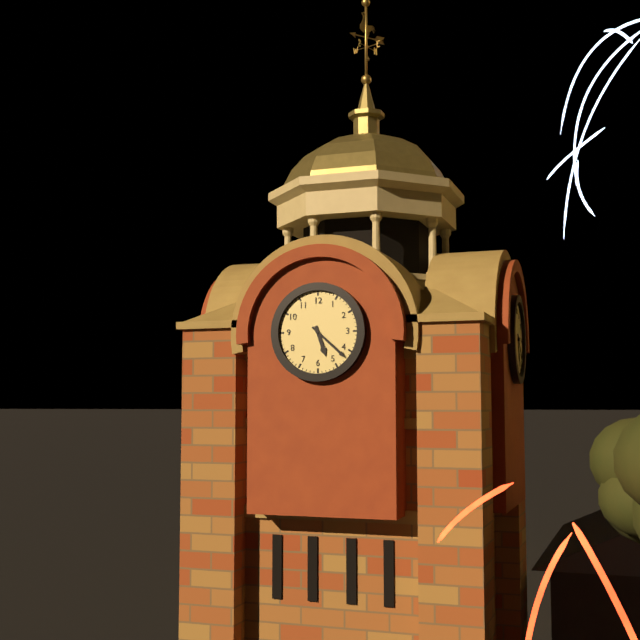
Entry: h=5 m=22
